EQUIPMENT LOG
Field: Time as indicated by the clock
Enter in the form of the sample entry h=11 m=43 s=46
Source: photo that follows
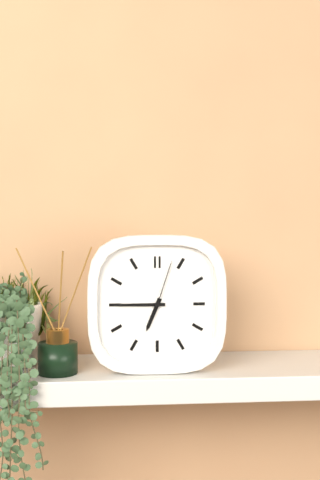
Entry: h=6 m=45 s=3
